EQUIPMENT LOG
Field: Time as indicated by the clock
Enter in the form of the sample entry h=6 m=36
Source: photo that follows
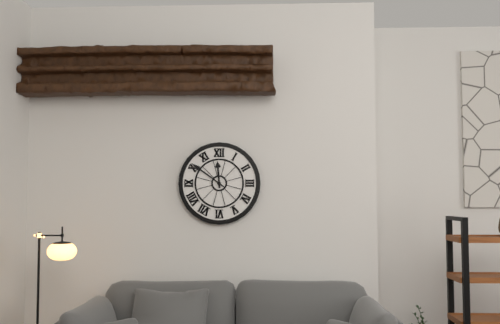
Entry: h=11 m=51
